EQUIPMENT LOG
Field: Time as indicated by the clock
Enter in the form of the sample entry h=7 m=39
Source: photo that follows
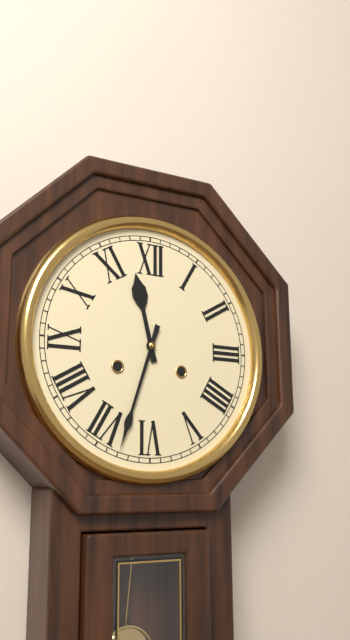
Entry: h=11 m=33
